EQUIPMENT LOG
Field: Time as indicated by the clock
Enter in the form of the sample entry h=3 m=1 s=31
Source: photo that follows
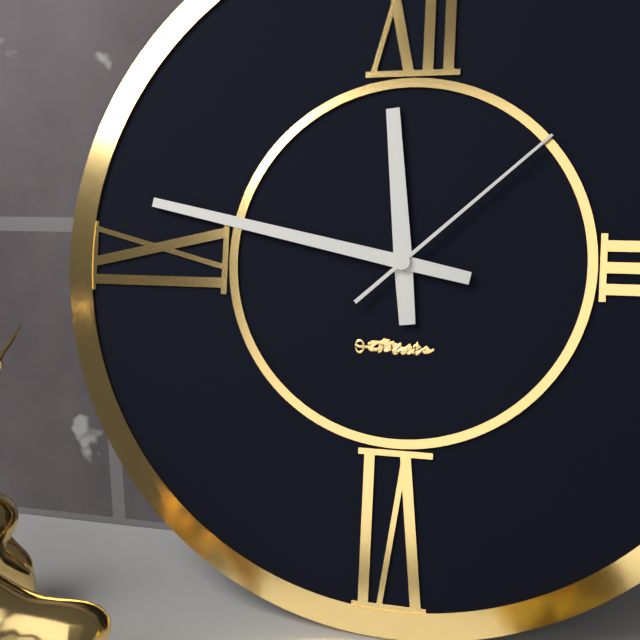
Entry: h=11 m=47 s=8
